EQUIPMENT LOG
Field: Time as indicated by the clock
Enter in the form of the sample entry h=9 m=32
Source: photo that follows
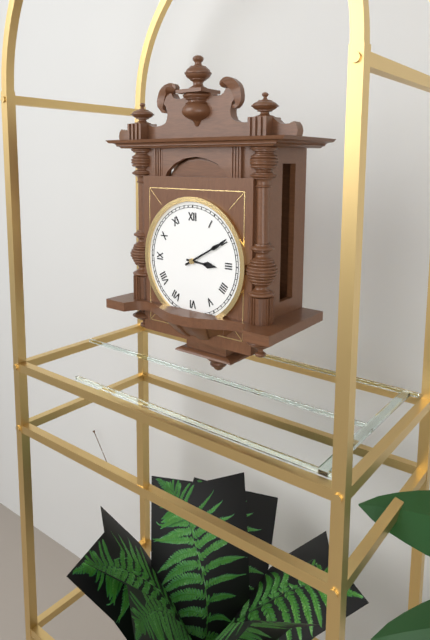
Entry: h=3 m=10
